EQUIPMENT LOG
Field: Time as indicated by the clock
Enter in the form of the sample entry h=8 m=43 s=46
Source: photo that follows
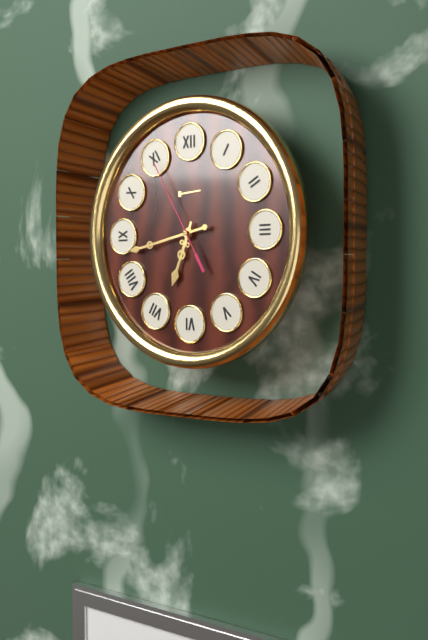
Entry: h=6 m=43 s=55
